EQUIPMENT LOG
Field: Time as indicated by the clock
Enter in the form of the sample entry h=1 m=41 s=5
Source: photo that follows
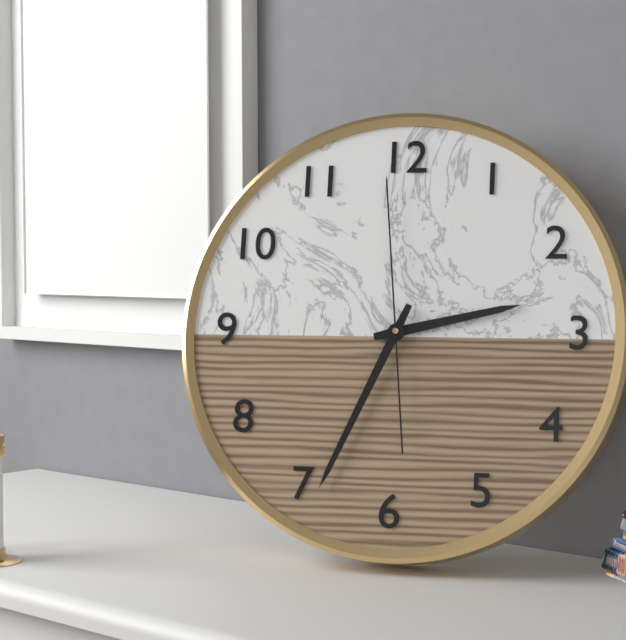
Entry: h=2 m=34 s=59
